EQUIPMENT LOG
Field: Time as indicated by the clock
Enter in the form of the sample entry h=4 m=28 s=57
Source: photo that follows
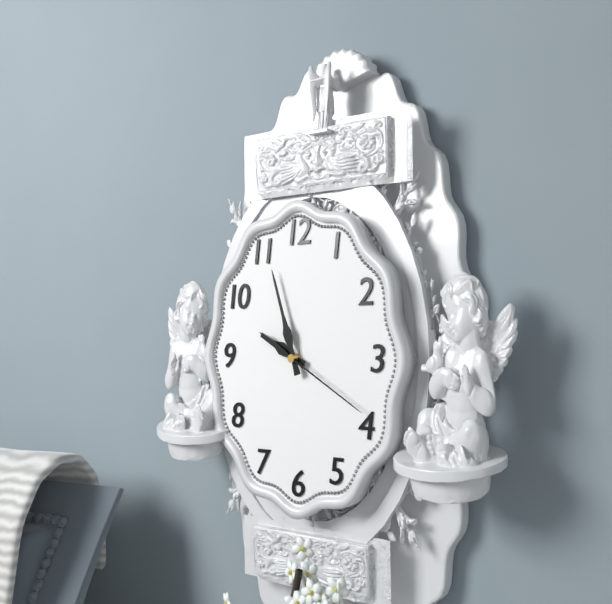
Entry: h=9 m=57 s=20
